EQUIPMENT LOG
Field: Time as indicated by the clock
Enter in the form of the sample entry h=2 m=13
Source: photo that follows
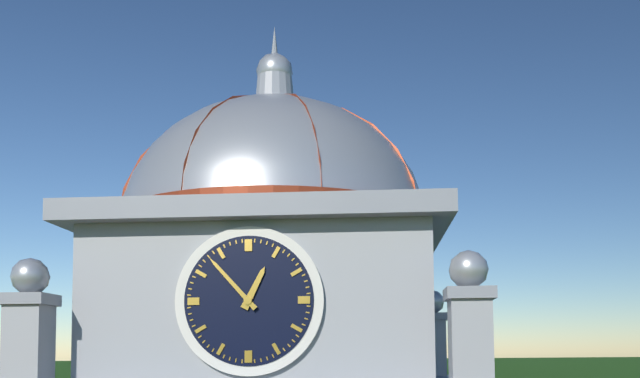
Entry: h=12 m=53
